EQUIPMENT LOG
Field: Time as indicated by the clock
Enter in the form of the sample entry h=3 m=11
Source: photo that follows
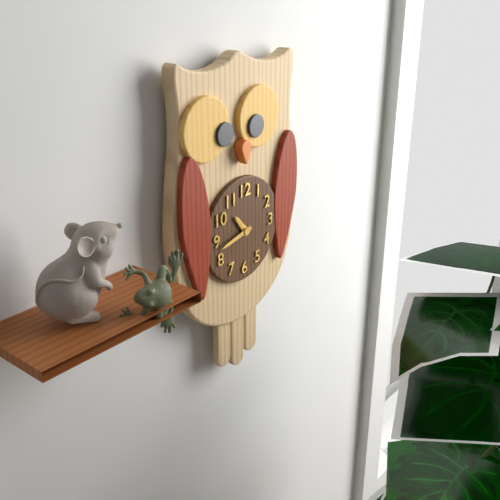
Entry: h=10 m=43
